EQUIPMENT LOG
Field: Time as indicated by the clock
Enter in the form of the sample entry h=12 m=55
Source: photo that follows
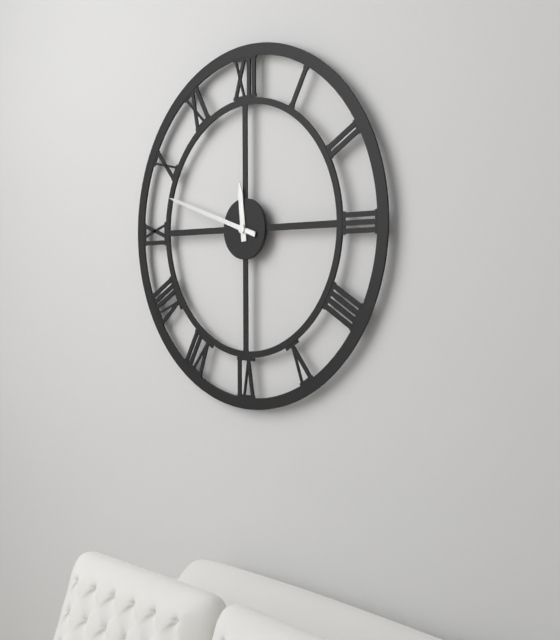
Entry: h=11 m=48
